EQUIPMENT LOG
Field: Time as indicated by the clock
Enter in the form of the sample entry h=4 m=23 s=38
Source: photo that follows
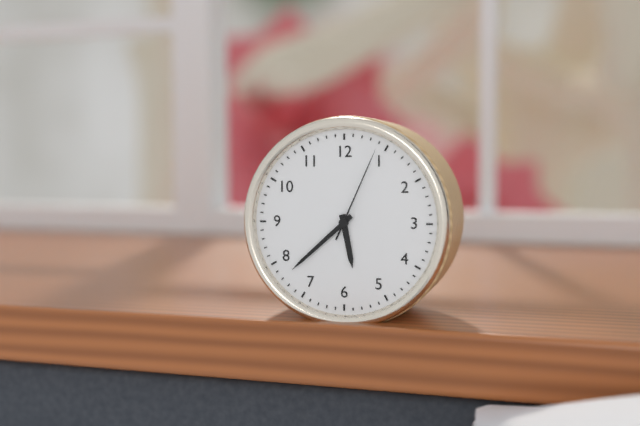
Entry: h=5 m=38 s=4
